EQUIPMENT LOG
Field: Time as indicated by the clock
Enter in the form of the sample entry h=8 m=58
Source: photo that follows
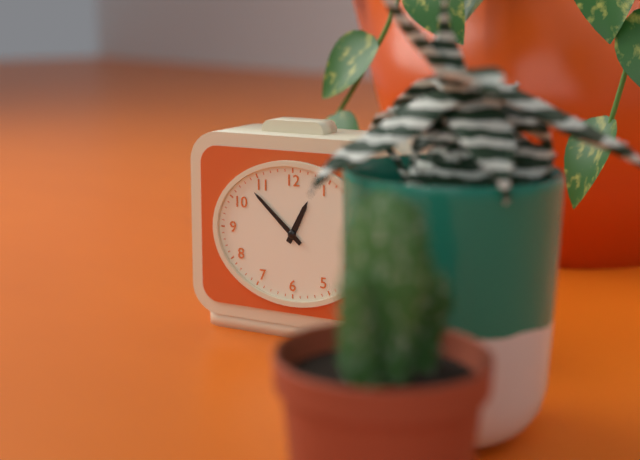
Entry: h=12 m=52
